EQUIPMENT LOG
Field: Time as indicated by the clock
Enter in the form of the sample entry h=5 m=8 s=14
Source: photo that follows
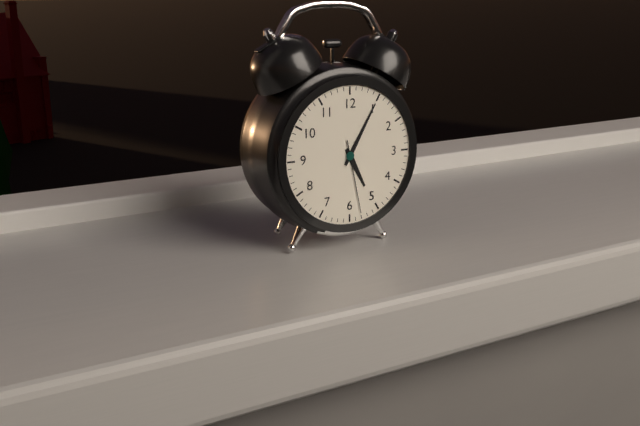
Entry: h=5 m=5 s=28
